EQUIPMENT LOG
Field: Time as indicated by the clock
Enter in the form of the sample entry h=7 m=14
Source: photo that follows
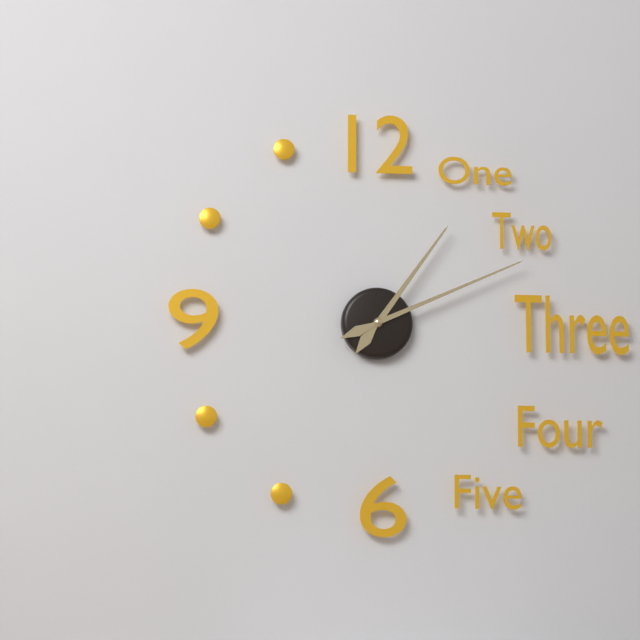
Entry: h=1 m=11
